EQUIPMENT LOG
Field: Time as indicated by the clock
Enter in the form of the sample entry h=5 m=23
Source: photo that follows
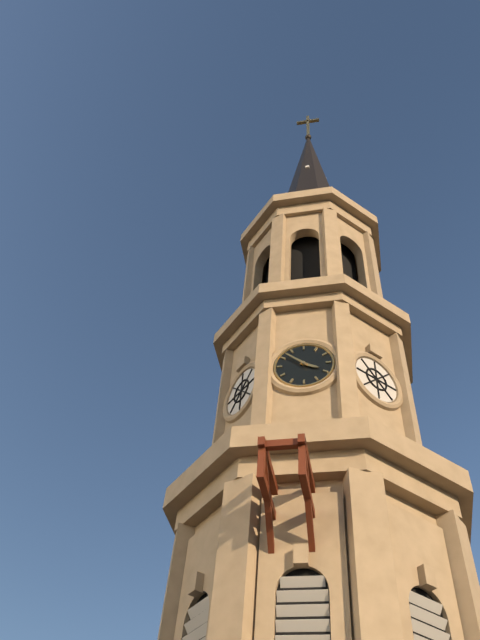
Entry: h=3 m=52
